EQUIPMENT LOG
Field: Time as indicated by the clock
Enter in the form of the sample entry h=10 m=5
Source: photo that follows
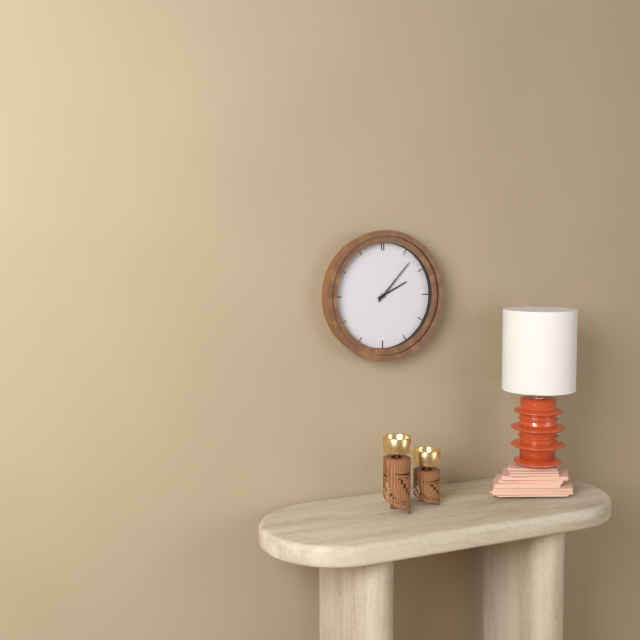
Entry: h=2 m=7
